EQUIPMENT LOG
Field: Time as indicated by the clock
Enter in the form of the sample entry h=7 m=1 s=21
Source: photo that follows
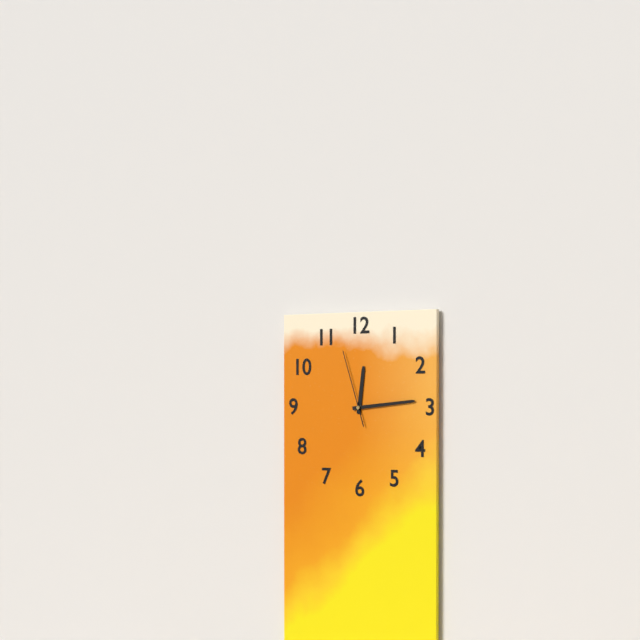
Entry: h=12 m=14 s=57
